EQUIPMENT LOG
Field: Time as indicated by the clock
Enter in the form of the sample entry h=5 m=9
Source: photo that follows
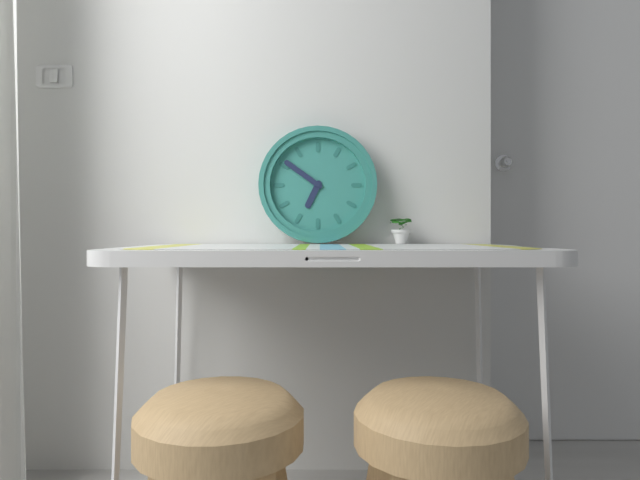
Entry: h=6 m=51
